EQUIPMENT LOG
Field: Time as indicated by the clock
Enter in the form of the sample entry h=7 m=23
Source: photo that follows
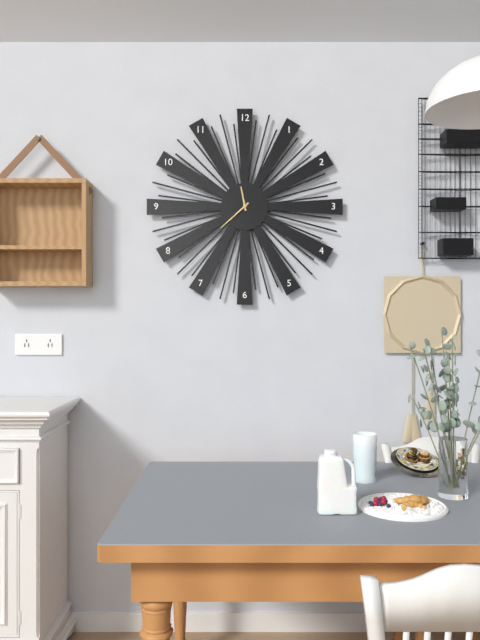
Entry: h=11 m=38
